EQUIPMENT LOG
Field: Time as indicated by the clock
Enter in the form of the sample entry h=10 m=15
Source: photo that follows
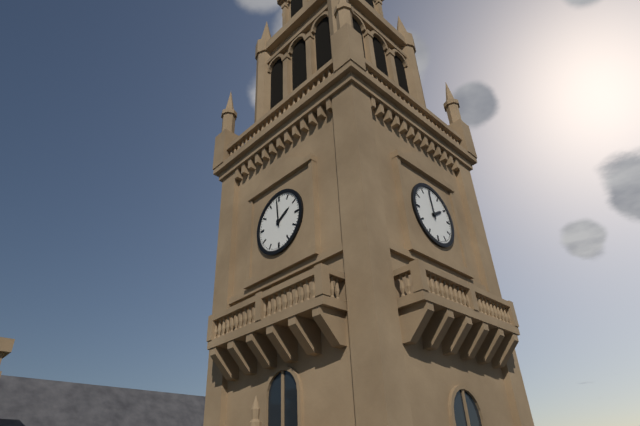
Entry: h=1 m=59
